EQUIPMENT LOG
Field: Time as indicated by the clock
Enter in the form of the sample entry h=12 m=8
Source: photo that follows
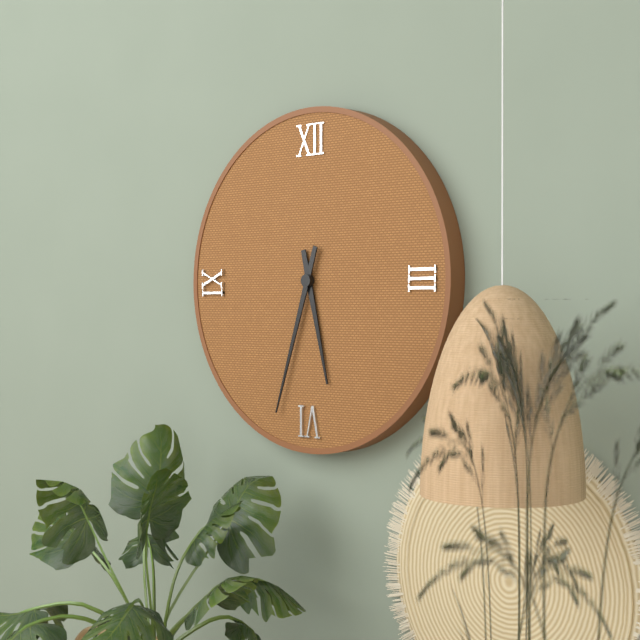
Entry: h=5 m=33
